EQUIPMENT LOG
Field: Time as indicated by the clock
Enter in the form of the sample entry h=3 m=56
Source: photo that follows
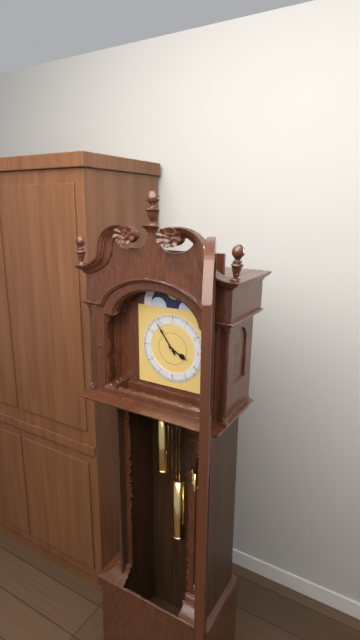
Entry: h=3 m=54
